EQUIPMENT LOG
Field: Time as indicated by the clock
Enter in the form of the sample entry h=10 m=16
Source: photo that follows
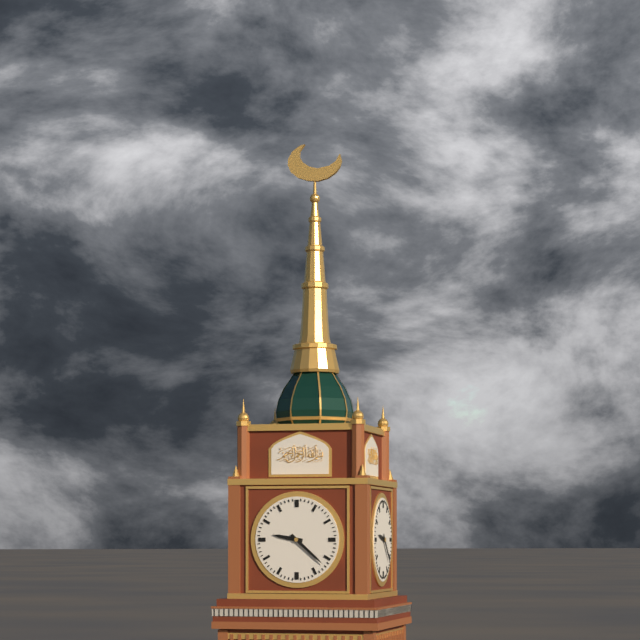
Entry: h=9 m=22
